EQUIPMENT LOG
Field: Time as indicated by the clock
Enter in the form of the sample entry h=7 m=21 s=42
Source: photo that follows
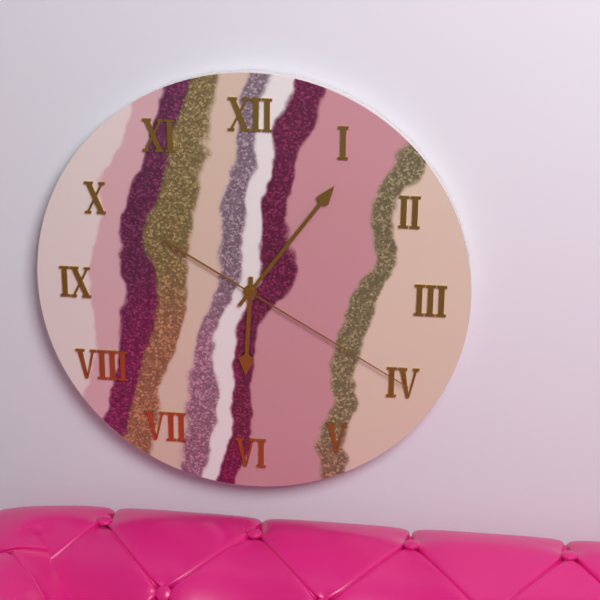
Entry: h=6 m=6 s=20
